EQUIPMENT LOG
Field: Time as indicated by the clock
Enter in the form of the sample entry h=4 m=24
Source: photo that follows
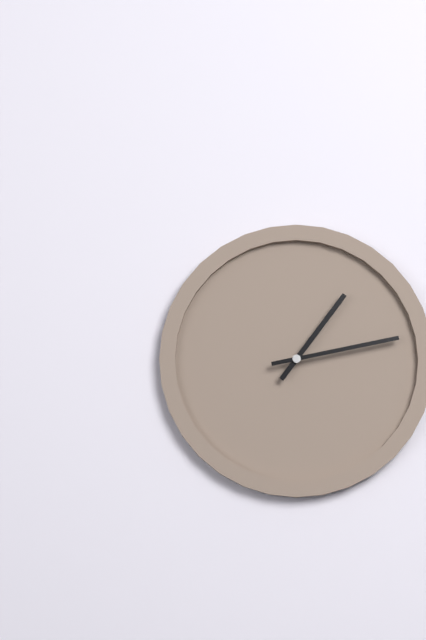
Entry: h=1 m=13
